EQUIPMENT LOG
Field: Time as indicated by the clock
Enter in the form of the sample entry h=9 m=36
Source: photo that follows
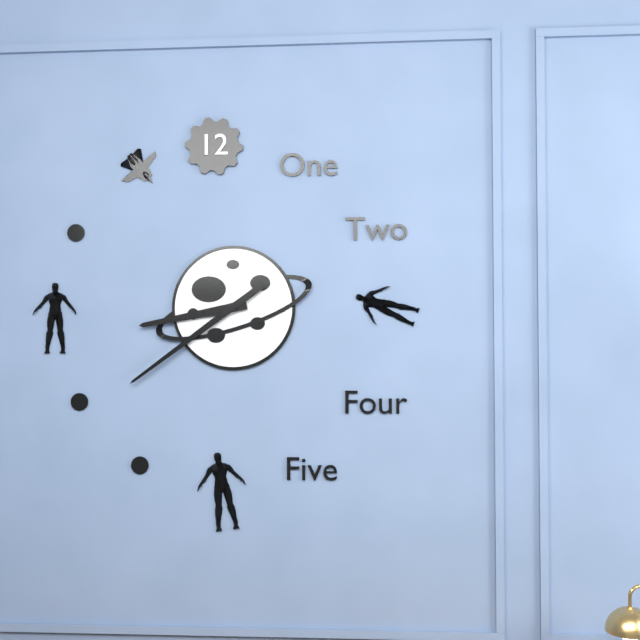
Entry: h=8 m=39
